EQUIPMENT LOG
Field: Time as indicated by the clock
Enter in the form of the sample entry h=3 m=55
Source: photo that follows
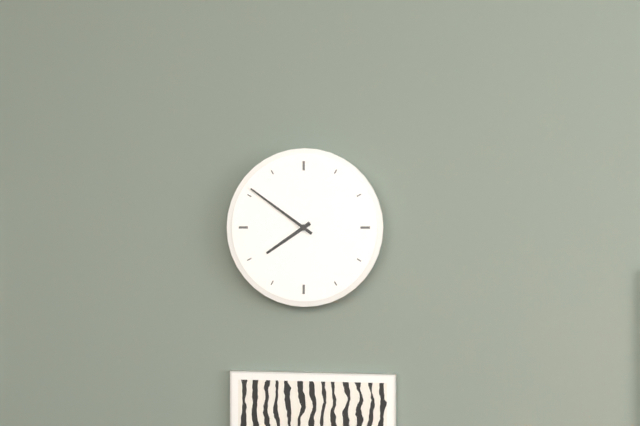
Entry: h=7 m=51
